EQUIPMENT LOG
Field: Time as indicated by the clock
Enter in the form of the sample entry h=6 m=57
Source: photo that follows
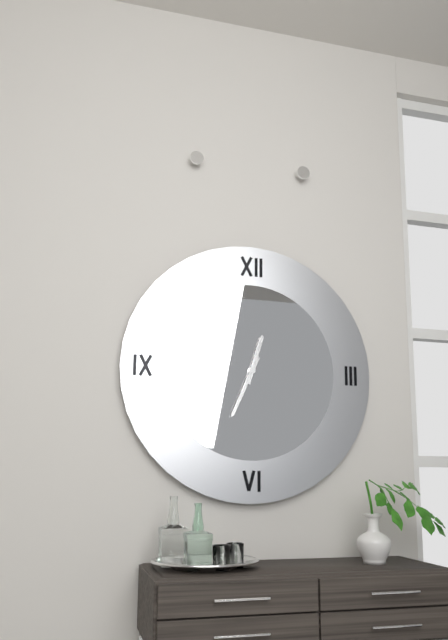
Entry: h=12 m=34
